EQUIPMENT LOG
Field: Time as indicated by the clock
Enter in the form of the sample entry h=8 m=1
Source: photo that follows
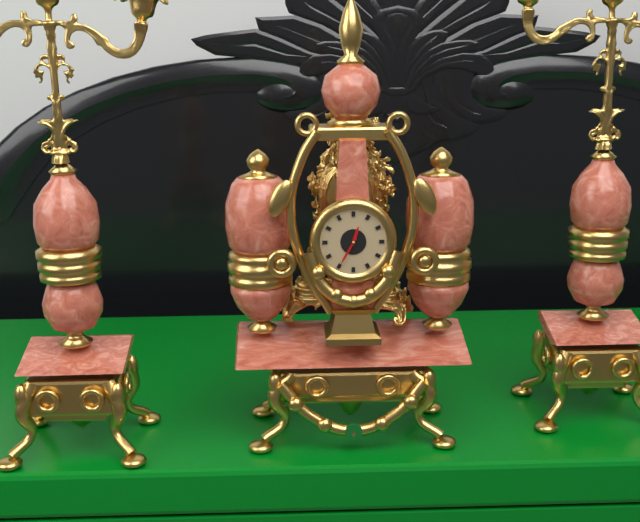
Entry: h=12 m=35
